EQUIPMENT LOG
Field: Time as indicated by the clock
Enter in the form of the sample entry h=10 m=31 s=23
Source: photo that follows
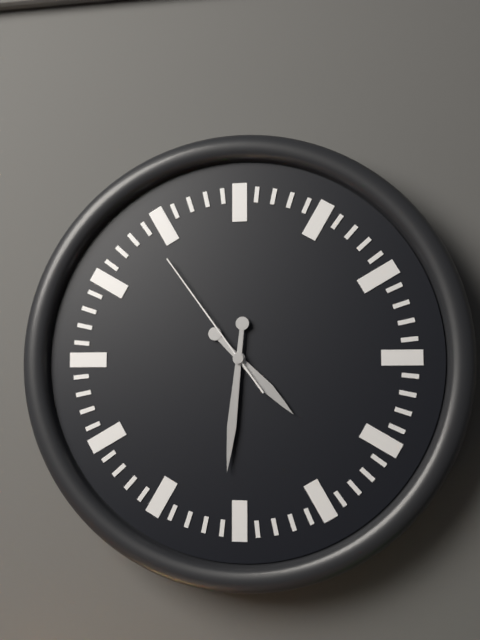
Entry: h=4 m=31 s=54
